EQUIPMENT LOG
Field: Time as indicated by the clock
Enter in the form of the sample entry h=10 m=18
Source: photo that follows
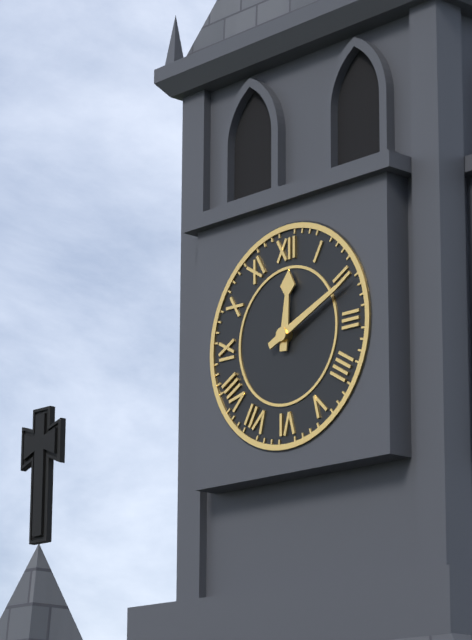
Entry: h=12 m=11
